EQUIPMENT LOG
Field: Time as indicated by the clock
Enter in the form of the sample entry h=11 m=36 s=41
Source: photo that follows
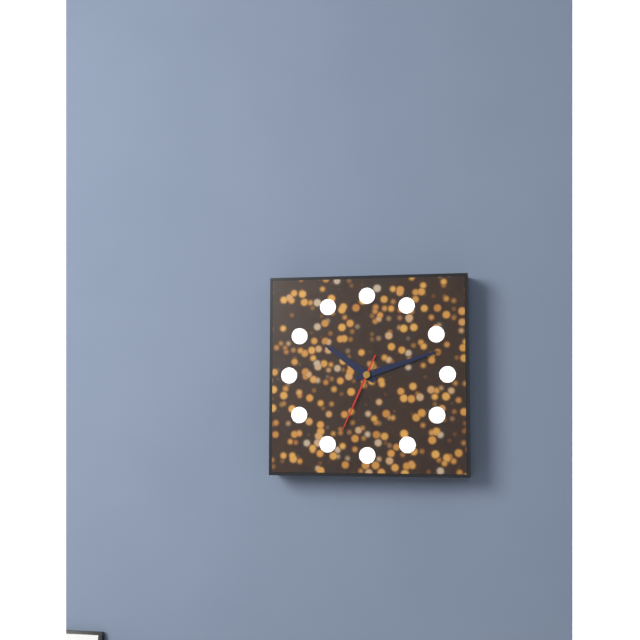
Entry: h=10 m=12 s=34
